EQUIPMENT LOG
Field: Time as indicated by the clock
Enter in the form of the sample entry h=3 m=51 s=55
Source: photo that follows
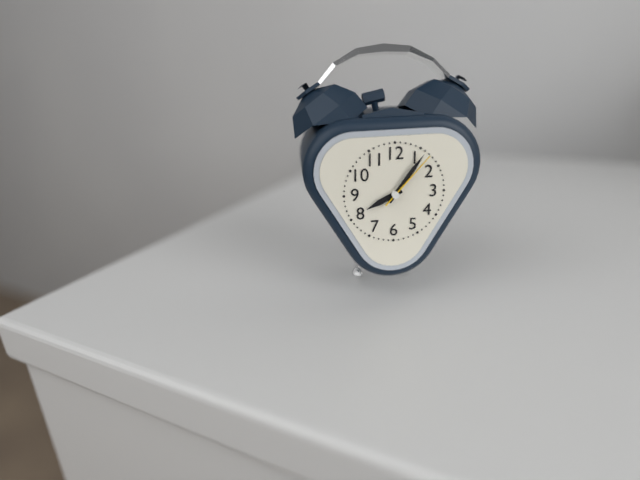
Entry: h=8 m=6 s=7
